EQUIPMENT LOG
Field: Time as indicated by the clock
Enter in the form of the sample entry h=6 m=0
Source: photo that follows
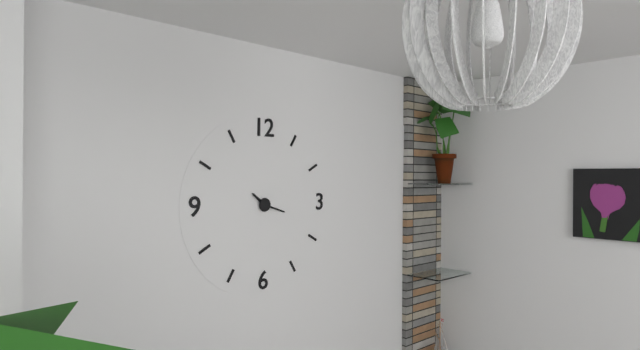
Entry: h=10 m=18
